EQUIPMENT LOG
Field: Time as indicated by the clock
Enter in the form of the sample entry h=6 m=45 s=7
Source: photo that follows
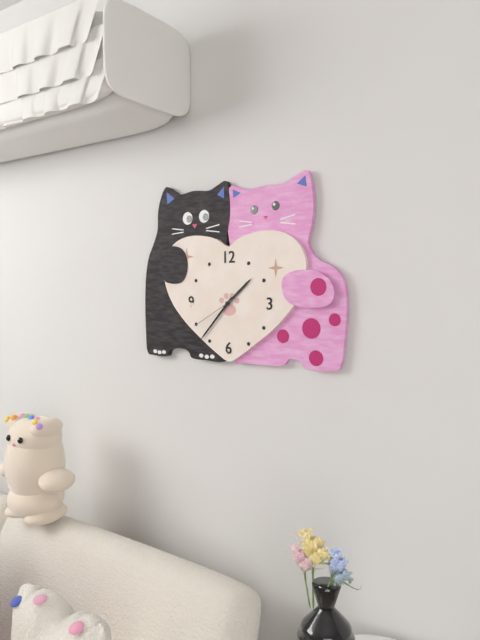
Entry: h=1 m=37 s=40
